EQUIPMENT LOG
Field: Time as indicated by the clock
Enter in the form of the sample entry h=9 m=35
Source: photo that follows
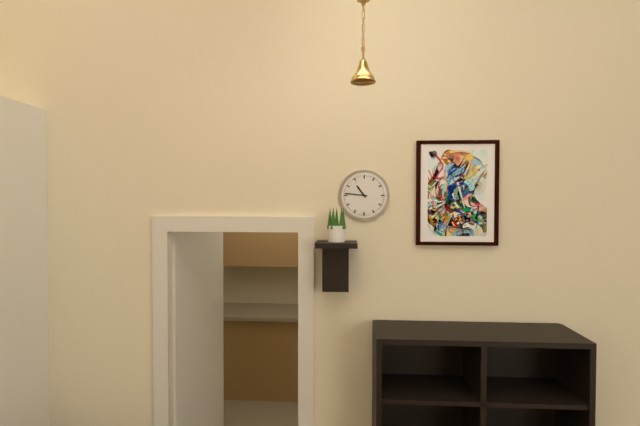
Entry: h=10 m=46
